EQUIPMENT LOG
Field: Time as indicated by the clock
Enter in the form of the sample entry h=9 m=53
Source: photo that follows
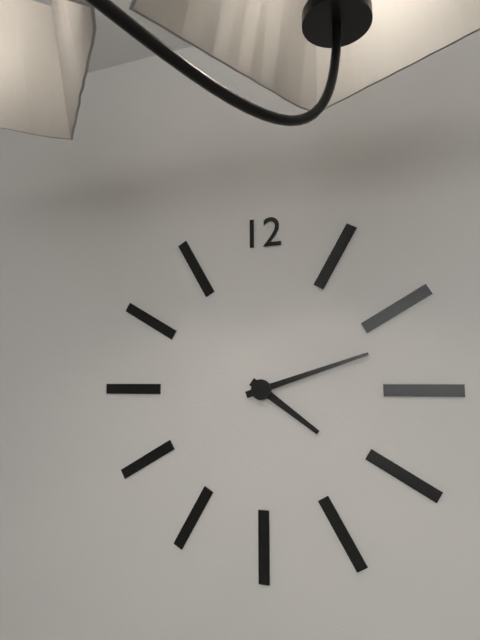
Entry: h=4 m=12
